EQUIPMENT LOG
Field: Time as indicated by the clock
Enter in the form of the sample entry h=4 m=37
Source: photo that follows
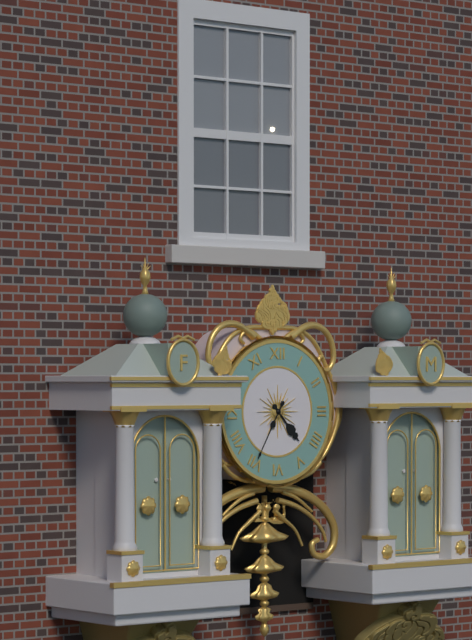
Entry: h=4 m=35
